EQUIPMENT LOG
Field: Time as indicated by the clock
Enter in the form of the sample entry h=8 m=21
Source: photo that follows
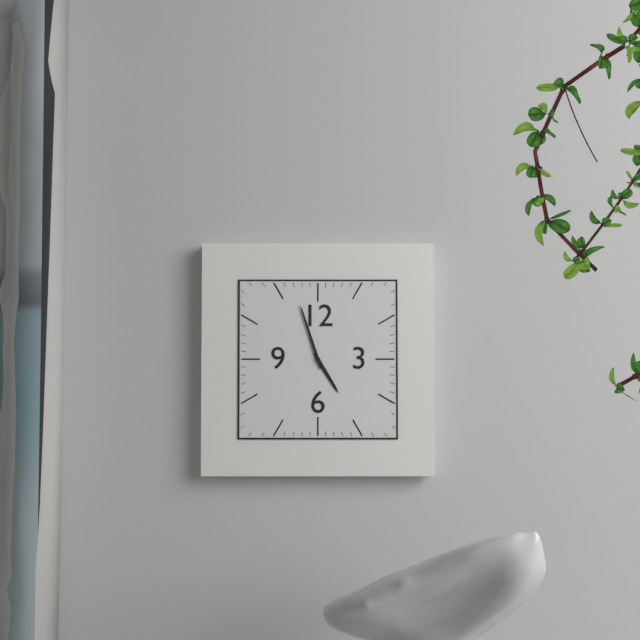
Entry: h=4 m=57
